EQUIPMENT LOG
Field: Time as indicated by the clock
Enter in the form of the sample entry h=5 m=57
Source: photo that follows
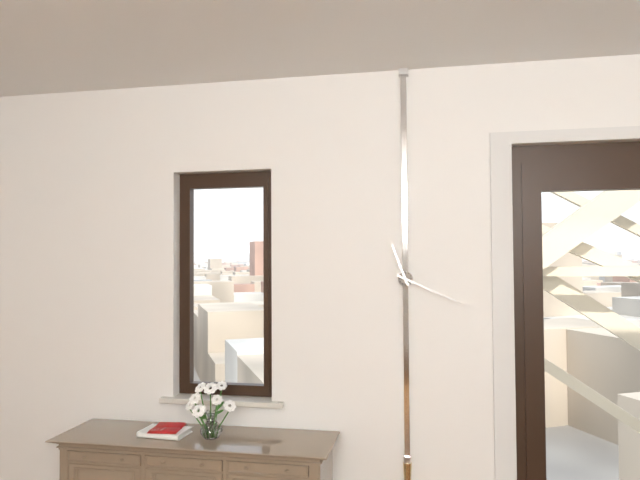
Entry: h=11 m=19
